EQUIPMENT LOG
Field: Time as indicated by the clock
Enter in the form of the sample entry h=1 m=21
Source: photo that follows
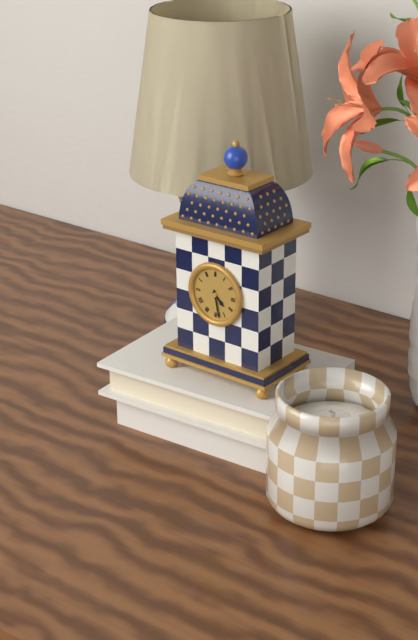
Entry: h=4 m=28
